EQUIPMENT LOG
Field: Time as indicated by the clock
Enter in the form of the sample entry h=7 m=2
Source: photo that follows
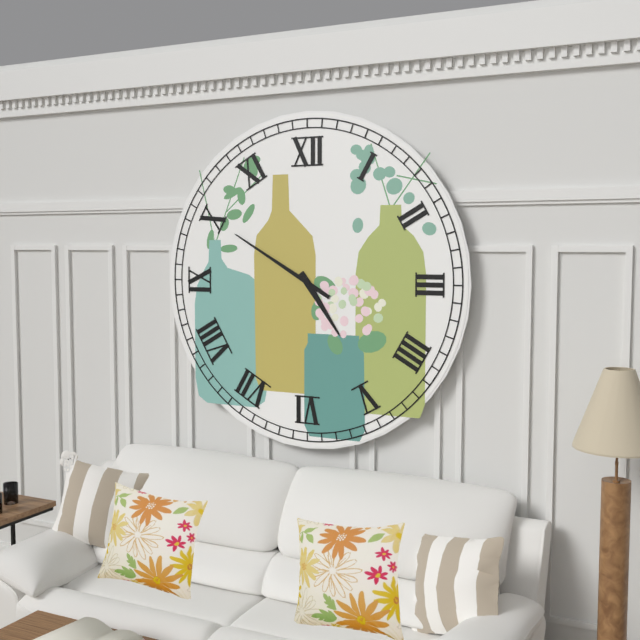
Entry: h=4 m=50
